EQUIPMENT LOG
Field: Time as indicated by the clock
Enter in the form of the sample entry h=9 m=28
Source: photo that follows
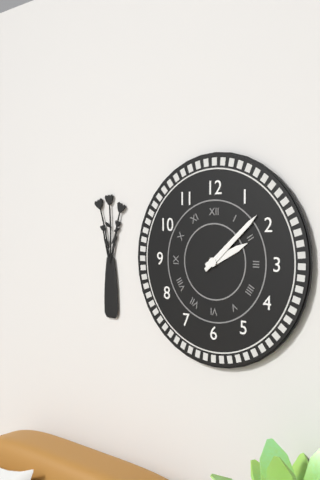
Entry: h=2 m=8
